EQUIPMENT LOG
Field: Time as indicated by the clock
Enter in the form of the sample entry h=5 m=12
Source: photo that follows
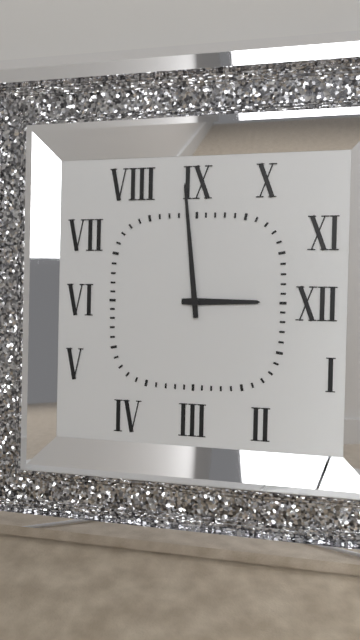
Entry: h=2 m=59
